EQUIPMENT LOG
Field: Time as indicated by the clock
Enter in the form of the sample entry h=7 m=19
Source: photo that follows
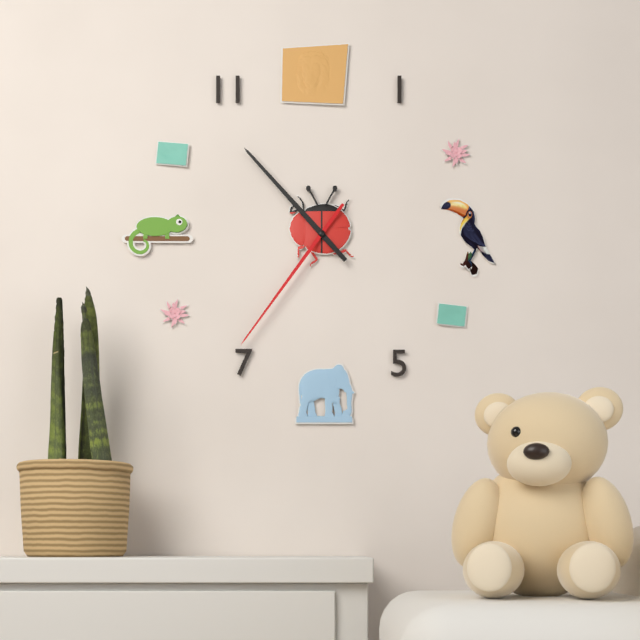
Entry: h=10 m=36
